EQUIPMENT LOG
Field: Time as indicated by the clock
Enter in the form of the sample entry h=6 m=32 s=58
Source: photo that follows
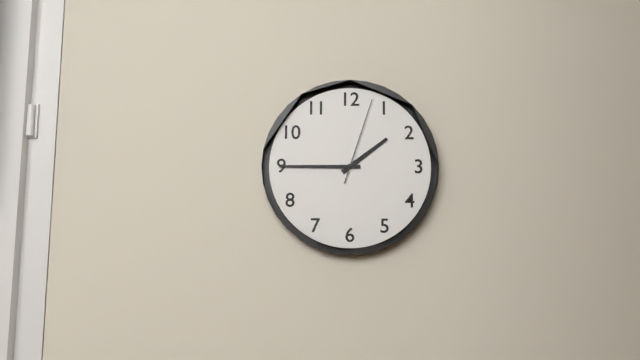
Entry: h=1 m=45 s=3
